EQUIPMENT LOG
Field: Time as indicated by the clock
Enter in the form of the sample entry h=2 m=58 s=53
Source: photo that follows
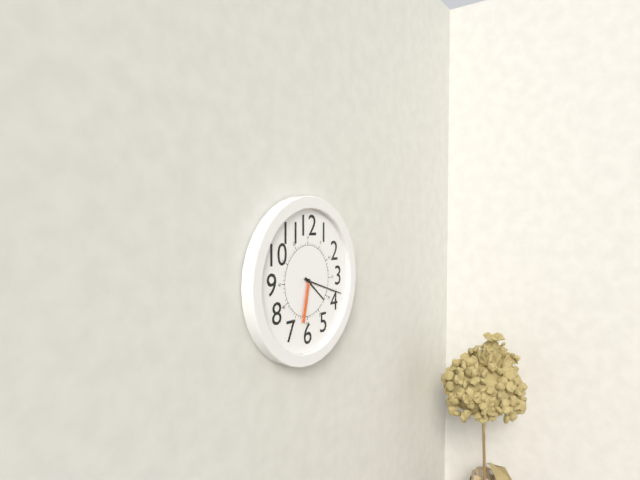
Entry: h=4 m=18 s=32
